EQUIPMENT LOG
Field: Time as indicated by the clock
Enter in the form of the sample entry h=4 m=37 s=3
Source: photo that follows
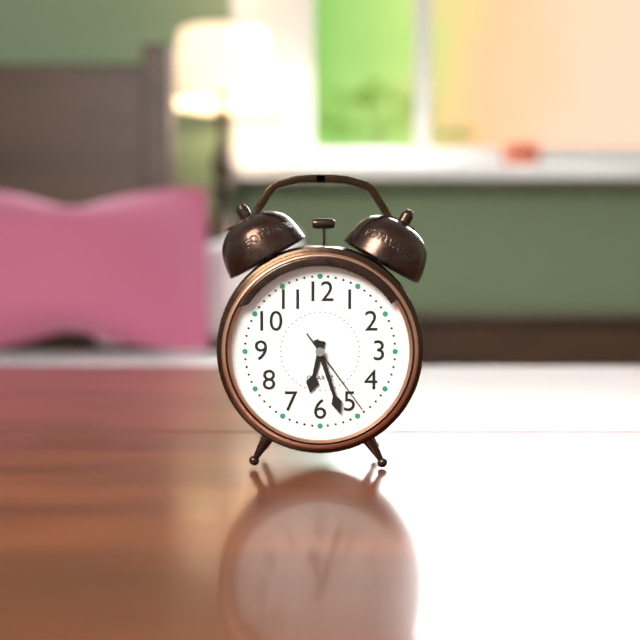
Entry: h=6 m=27 s=24
